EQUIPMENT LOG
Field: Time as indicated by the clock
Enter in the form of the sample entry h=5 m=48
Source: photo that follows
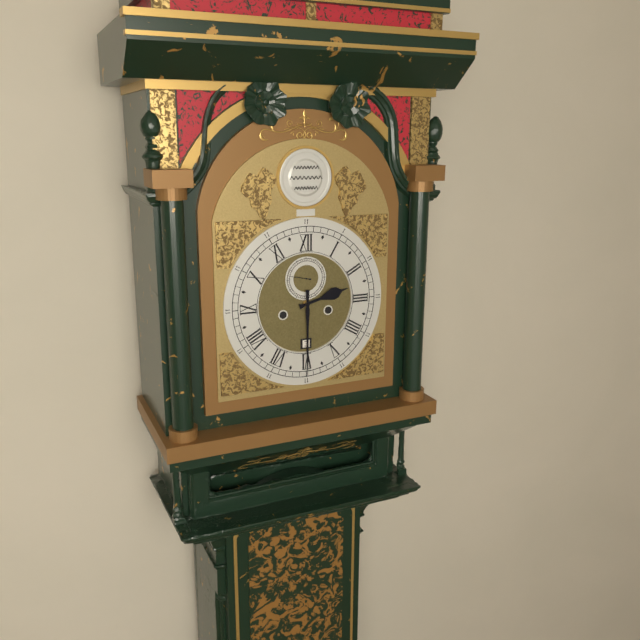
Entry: h=2 m=30
